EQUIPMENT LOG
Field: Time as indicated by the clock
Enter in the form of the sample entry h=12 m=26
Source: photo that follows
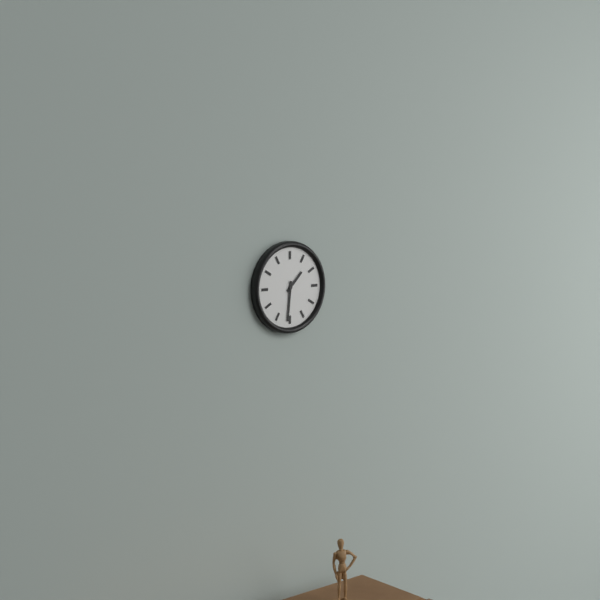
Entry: h=1 m=31
